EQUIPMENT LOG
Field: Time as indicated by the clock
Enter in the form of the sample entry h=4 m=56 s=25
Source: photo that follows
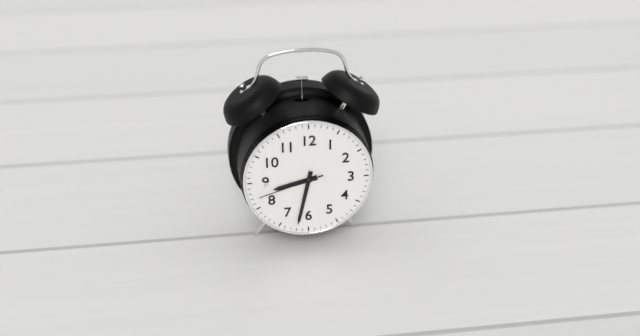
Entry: h=8 m=32 s=42
